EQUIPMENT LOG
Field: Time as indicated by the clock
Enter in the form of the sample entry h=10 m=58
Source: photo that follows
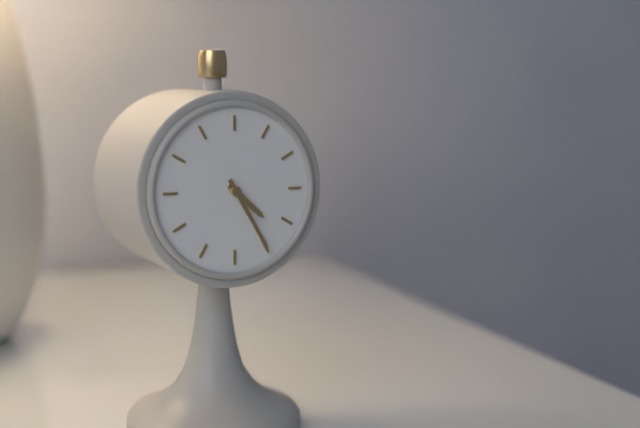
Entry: h=4 m=25
